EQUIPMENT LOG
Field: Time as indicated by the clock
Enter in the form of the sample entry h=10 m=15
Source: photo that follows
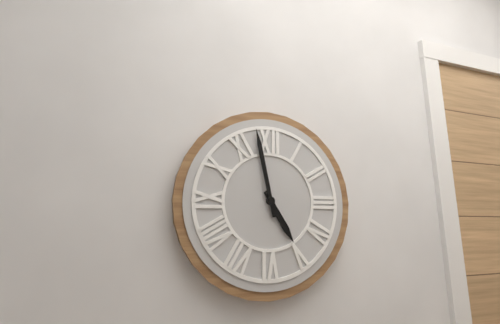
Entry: h=4 m=58
